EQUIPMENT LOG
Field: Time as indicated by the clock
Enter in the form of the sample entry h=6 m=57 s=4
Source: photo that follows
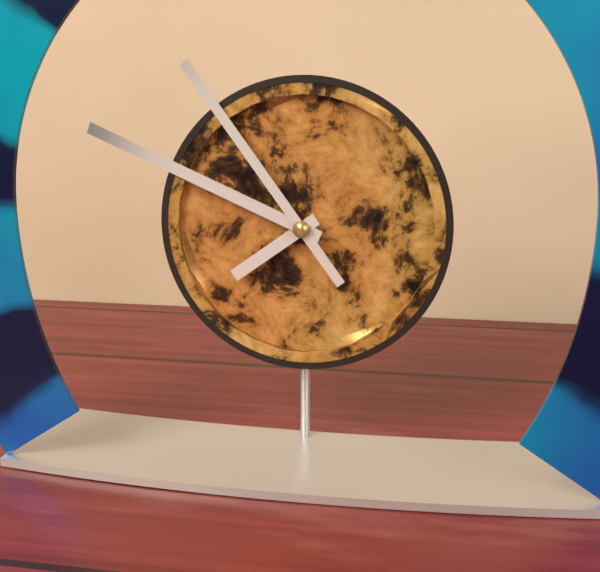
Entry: h=7 m=49 s=54
